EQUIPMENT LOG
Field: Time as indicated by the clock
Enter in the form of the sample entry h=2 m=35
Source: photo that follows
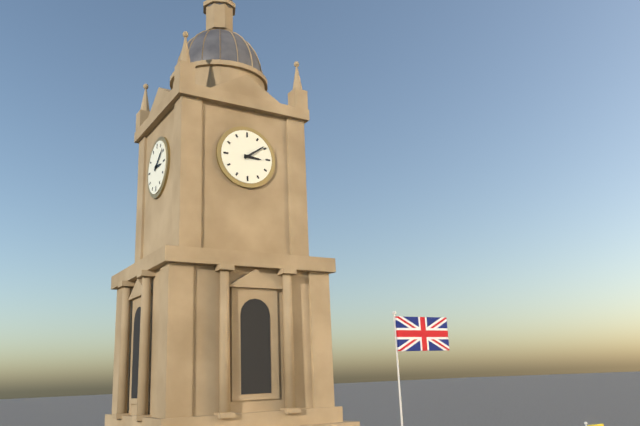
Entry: h=3 m=9
